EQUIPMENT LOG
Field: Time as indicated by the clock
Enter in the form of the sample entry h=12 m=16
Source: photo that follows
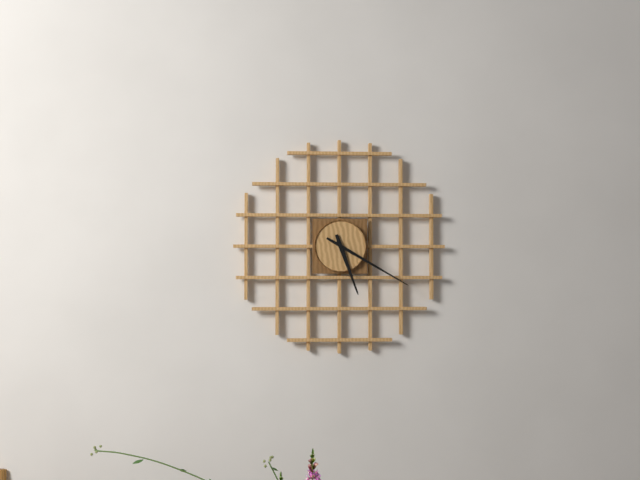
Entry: h=5 m=20
